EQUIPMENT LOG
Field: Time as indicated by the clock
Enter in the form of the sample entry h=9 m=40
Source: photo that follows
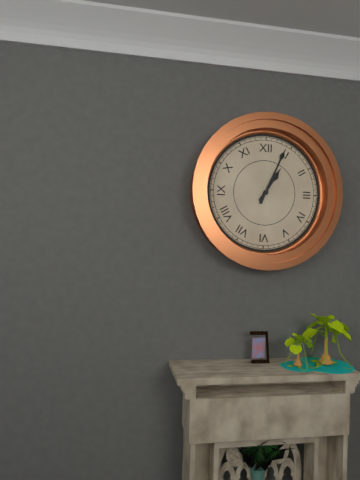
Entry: h=1 m=4
